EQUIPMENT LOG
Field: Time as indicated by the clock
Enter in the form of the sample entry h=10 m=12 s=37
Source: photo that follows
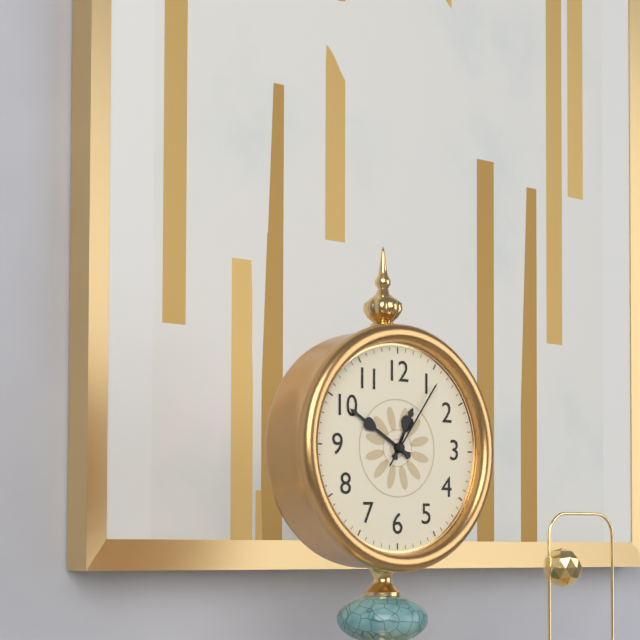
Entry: h=12 m=50 s=6
